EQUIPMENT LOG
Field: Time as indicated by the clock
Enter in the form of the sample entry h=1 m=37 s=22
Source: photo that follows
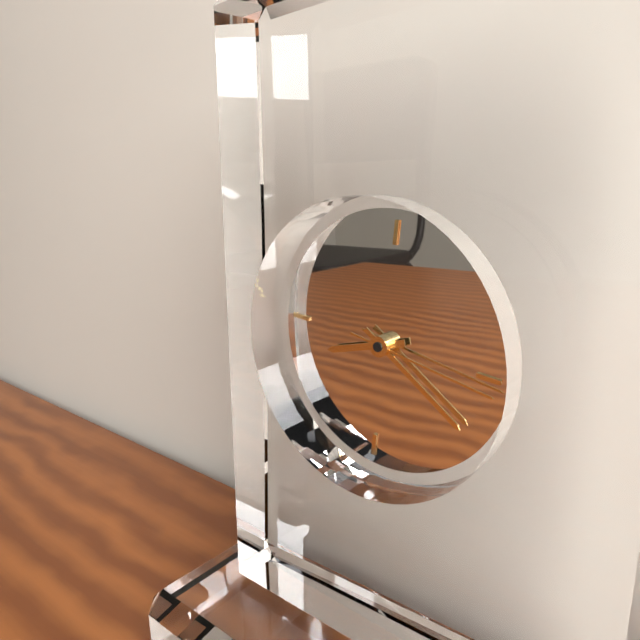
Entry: h=8 m=20 s=16
